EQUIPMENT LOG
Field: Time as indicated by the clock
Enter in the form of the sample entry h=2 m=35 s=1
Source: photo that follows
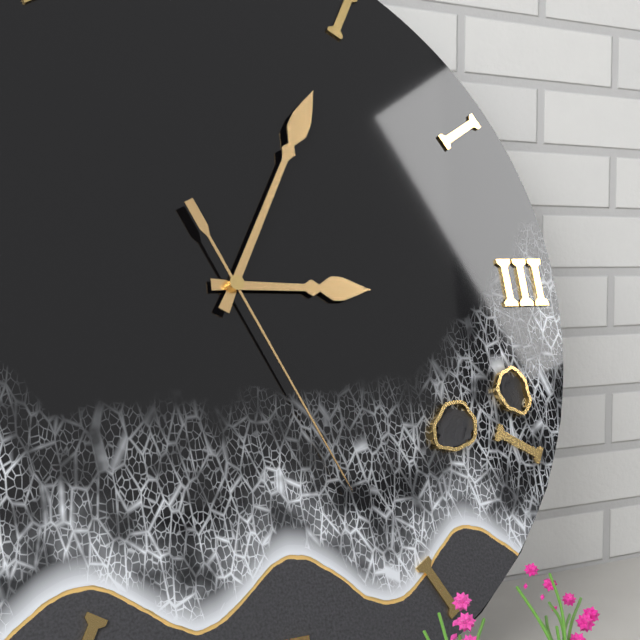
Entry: h=3 m=5 s=26
